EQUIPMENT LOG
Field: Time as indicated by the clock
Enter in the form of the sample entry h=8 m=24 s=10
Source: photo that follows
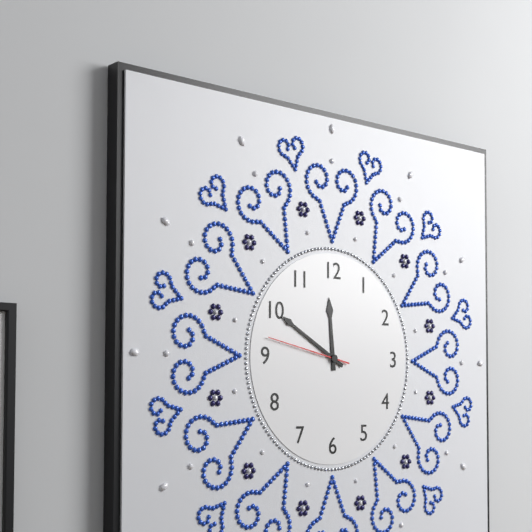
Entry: h=11 m=50 s=47
